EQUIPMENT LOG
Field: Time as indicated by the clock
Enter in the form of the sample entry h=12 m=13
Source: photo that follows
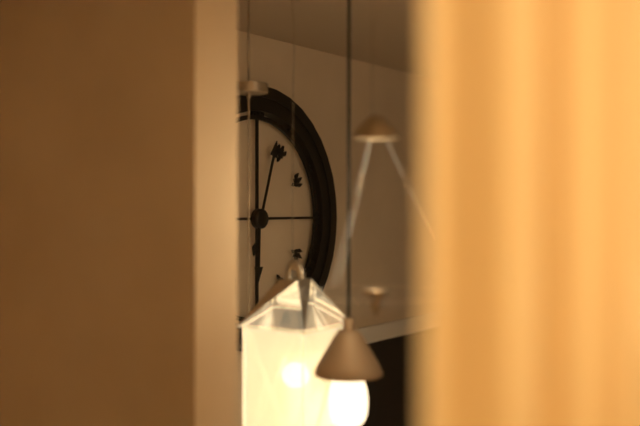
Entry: h=6 m=3
